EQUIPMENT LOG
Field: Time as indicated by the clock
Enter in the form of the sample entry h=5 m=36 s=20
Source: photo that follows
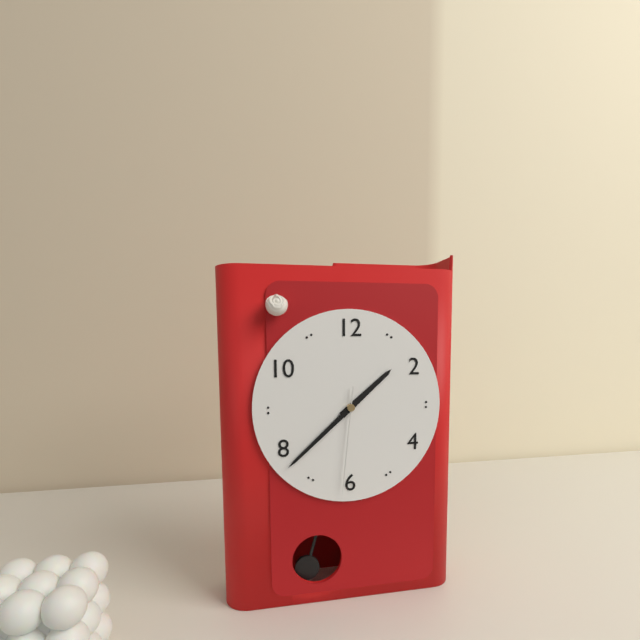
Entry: h=1 m=38 s=31
